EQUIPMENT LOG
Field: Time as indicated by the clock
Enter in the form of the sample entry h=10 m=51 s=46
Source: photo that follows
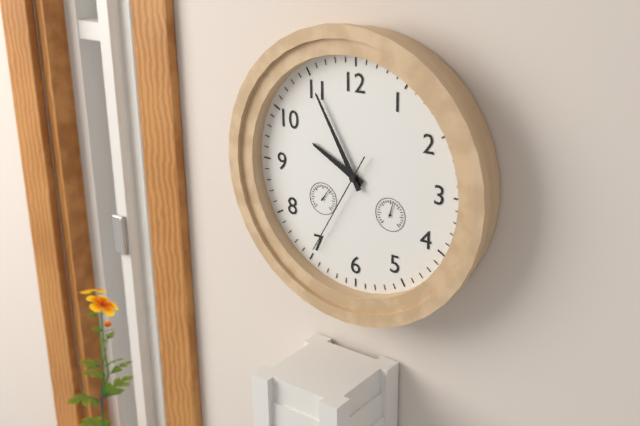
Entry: h=9 m=55 s=35
